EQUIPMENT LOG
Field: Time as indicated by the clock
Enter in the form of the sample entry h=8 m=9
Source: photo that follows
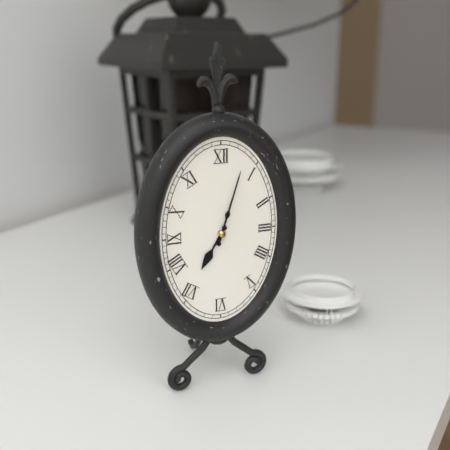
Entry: h=7 m=3
